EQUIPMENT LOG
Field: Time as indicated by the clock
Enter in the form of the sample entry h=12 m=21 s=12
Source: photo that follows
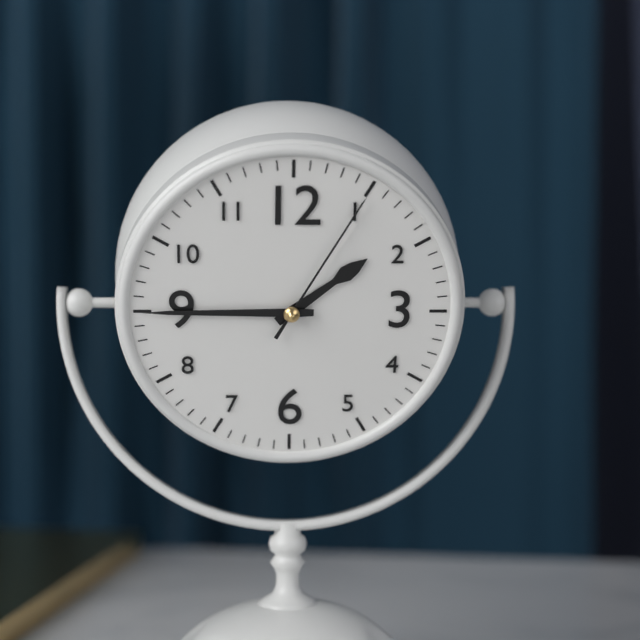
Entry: h=1 m=45 s=5
